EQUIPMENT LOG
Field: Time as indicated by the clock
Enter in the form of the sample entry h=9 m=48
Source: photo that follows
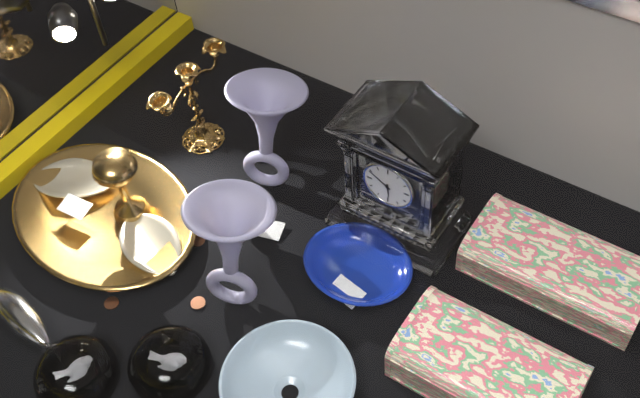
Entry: h=5 m=50
